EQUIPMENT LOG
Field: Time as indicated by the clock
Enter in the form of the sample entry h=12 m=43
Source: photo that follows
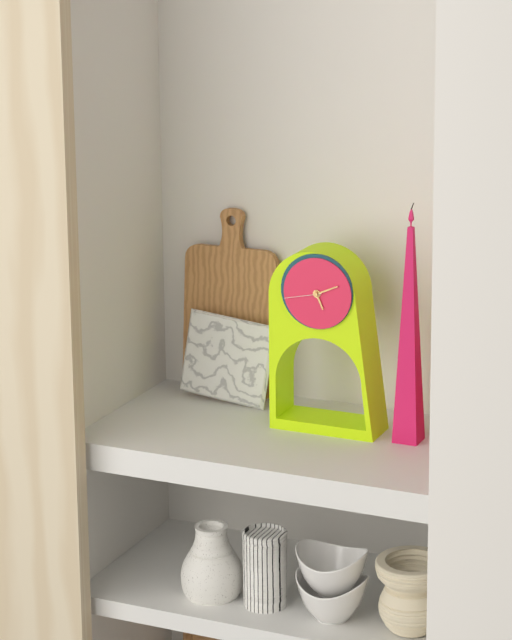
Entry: h=5 m=11
